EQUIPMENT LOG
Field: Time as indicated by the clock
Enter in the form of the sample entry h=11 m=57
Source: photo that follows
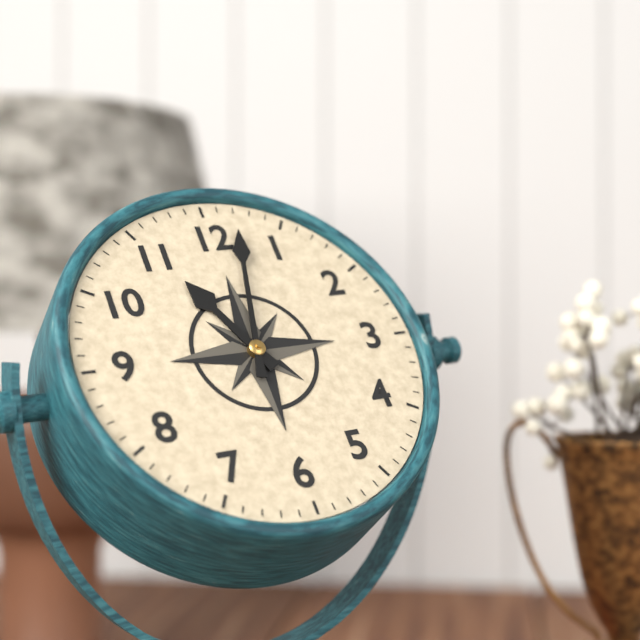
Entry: h=11 m=2
